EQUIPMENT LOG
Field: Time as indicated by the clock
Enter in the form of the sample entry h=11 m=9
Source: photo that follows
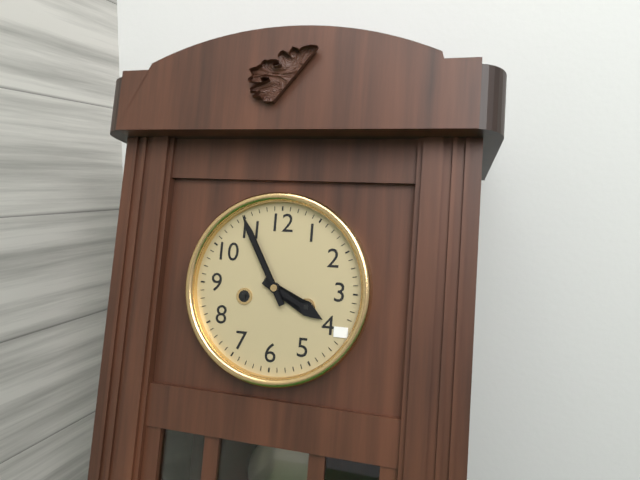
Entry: h=3 m=55
